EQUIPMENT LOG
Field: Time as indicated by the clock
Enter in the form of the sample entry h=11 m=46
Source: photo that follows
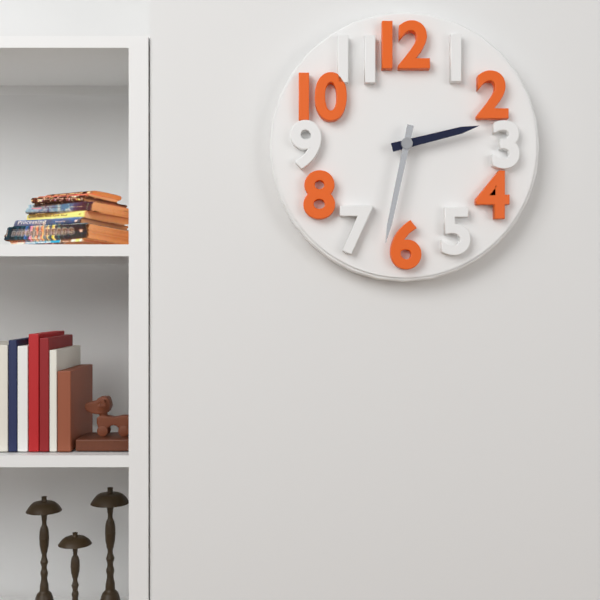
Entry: h=2 m=32
